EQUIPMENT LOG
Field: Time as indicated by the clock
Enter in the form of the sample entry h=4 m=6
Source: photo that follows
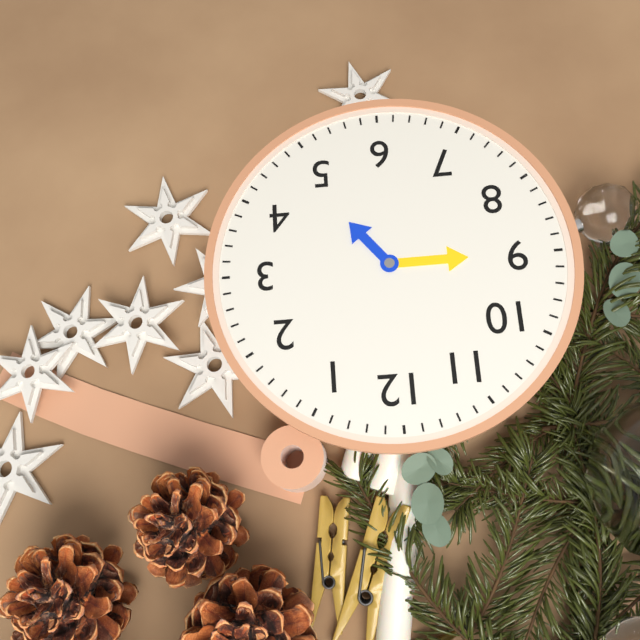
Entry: h=4 m=45
